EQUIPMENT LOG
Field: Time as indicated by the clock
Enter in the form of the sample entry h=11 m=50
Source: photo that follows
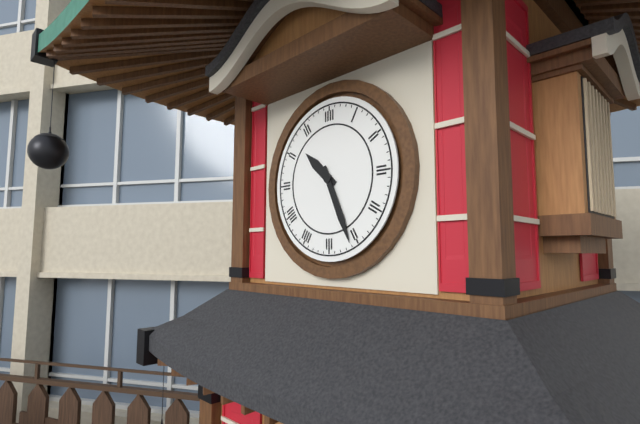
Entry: h=10 m=26
